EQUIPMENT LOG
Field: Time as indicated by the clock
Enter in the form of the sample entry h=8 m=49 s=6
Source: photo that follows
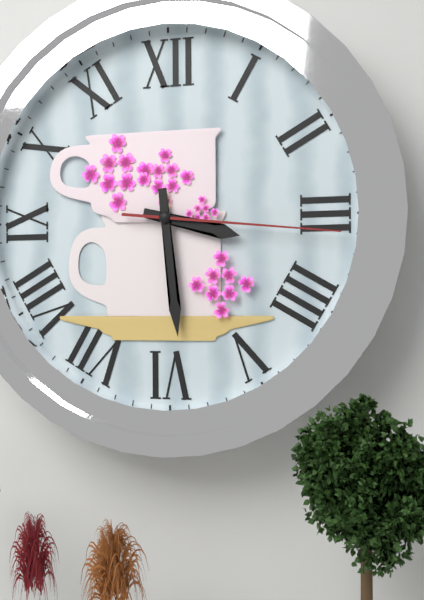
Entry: h=3 m=29 s=16
